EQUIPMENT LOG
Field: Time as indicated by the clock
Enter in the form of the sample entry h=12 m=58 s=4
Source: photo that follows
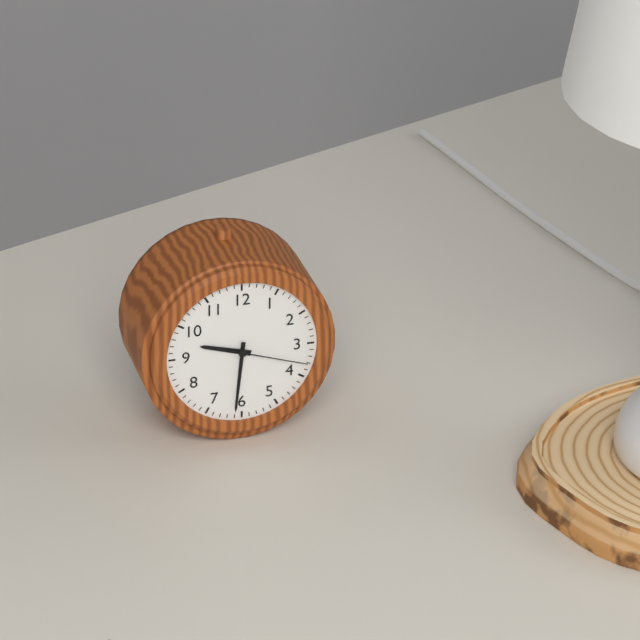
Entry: h=9 m=31 s=18
